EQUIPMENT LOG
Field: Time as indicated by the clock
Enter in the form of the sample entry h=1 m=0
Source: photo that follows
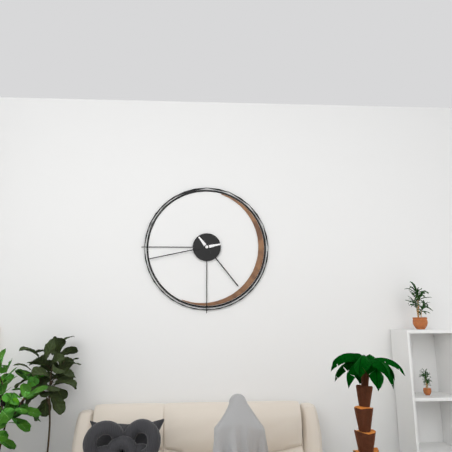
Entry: h=4 m=43
